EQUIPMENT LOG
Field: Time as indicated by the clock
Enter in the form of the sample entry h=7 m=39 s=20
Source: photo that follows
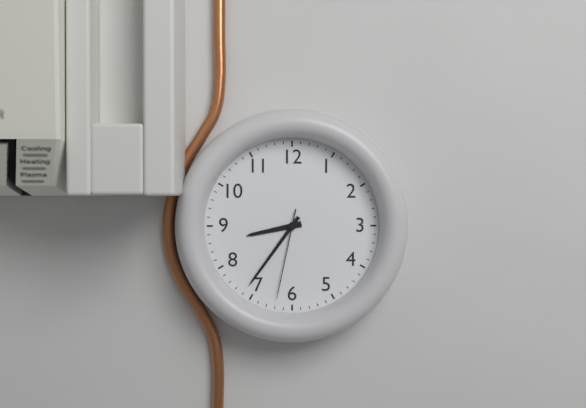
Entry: h=8 m=36 s=32
